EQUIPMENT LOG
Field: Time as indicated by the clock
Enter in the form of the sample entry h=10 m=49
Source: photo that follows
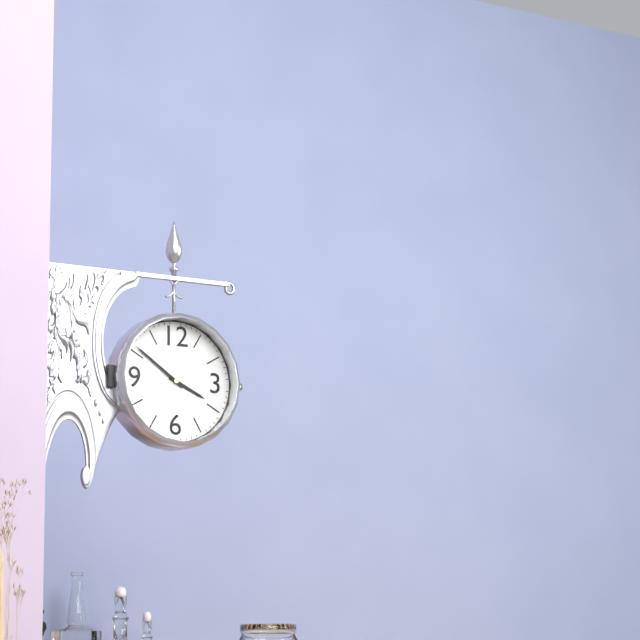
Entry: h=3 m=51
